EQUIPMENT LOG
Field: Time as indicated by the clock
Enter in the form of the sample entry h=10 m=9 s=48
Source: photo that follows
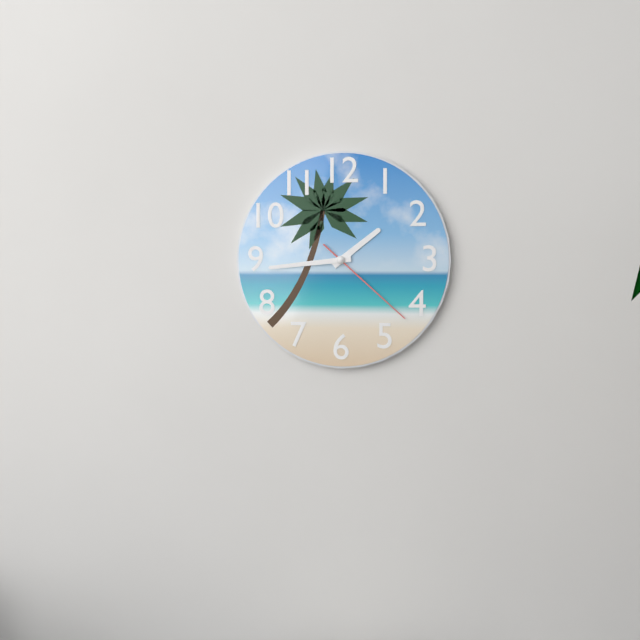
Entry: h=1 m=44 s=22
